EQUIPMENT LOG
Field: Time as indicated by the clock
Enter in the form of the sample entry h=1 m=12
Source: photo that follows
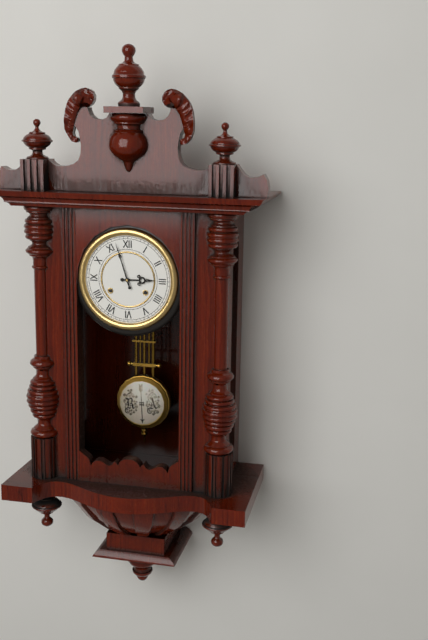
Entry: h=2 m=57
